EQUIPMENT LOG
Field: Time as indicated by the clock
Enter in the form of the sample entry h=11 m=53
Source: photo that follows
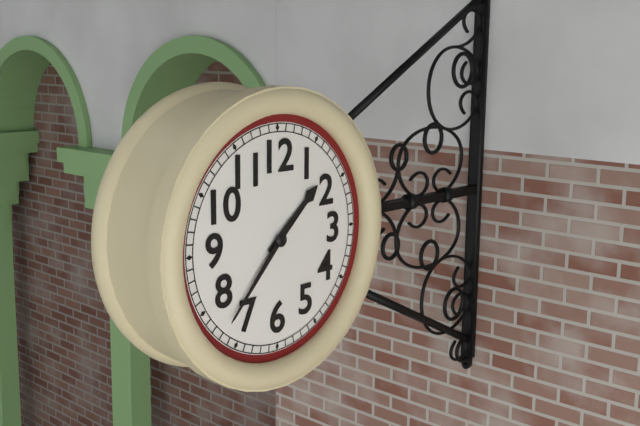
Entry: h=1 m=37
